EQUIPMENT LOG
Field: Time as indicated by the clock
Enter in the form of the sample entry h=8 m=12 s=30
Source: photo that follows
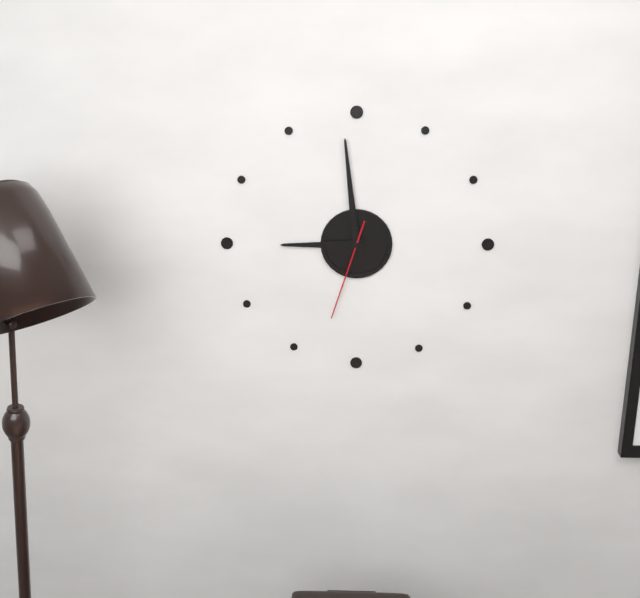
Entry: h=8 m=59 s=33
